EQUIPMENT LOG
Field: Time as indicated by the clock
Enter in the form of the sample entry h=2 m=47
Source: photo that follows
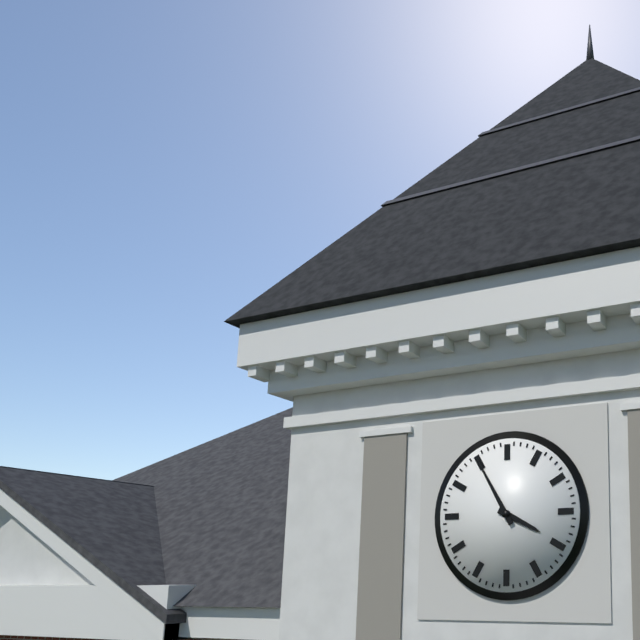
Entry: h=3 m=55
